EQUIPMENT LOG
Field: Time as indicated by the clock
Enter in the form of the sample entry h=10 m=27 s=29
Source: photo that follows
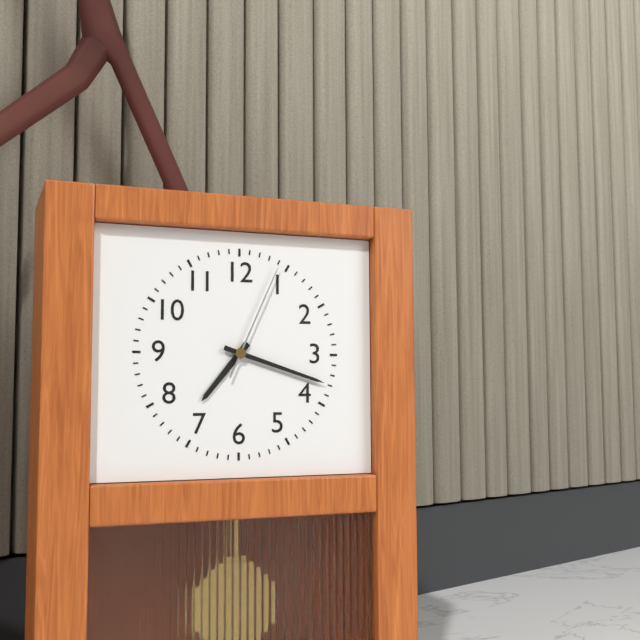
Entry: h=7 m=18 s=4
